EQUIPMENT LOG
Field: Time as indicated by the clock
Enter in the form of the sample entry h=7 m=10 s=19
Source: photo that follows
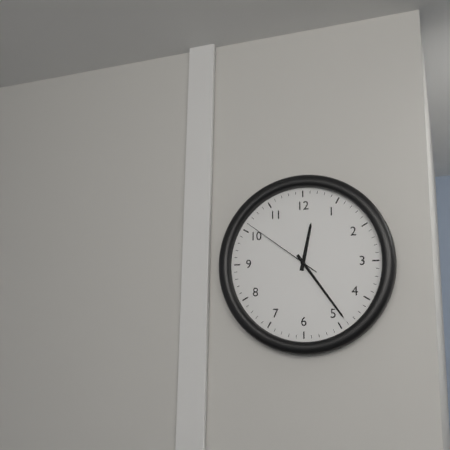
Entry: h=12 m=24 s=51
